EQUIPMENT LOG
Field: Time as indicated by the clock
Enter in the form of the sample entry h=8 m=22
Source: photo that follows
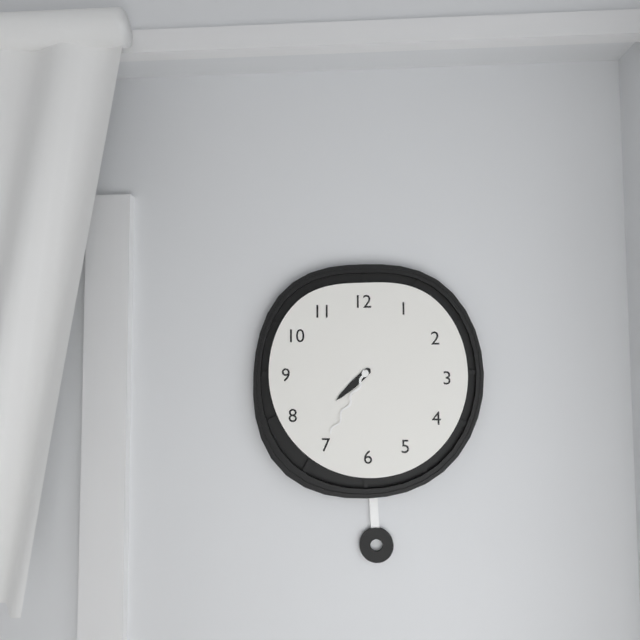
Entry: h=7 m=35
